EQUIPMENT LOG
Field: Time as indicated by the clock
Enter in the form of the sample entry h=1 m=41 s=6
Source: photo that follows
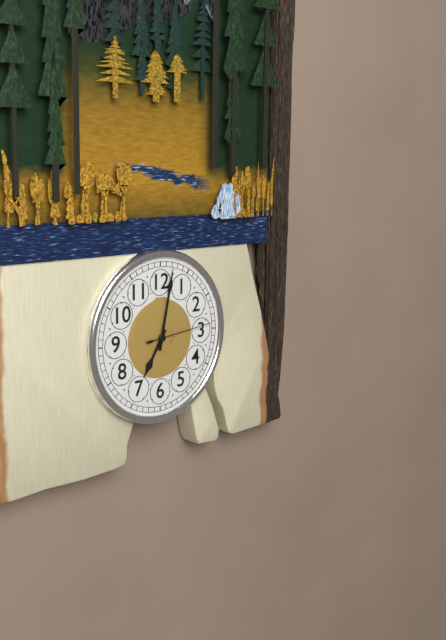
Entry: h=7 m=2 s=14
